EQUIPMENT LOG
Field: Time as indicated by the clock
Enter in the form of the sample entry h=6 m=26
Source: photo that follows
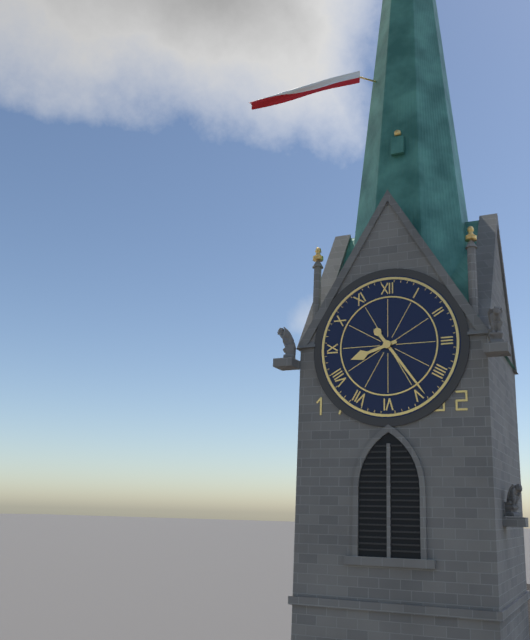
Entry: h=8 m=24
